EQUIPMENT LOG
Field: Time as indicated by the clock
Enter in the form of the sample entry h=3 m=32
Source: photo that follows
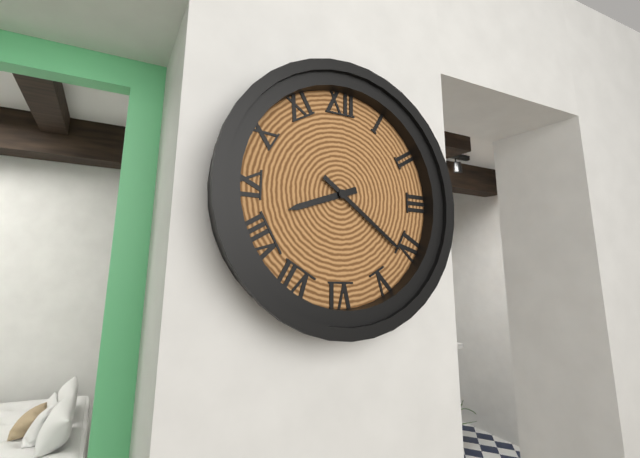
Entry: h=8 m=21
